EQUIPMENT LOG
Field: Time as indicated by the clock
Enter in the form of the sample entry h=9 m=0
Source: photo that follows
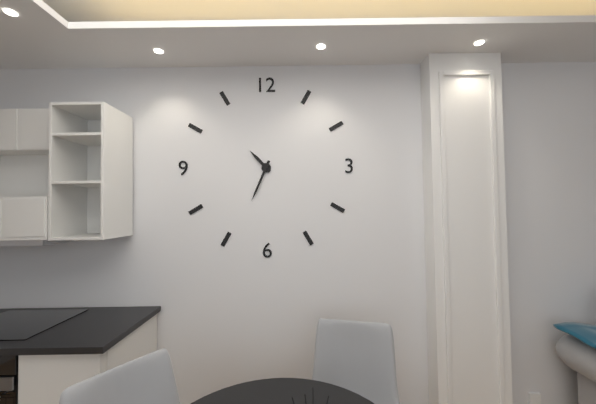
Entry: h=10 m=34
